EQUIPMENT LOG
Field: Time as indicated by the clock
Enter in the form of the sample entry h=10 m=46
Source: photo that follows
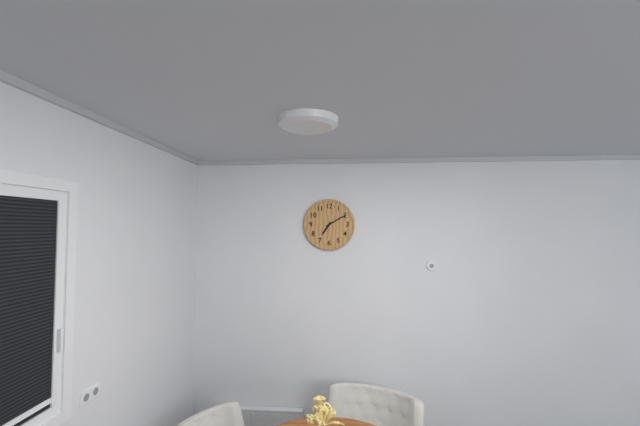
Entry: h=7 m=10
